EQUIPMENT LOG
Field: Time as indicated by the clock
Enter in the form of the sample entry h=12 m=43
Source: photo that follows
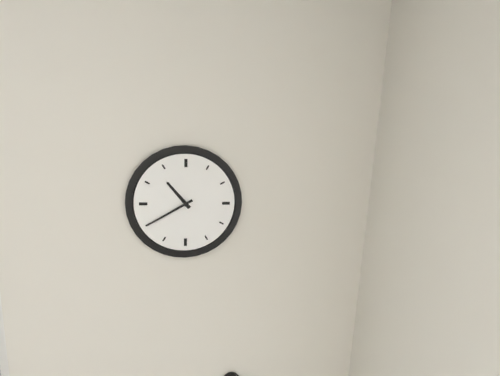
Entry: h=10 m=40
